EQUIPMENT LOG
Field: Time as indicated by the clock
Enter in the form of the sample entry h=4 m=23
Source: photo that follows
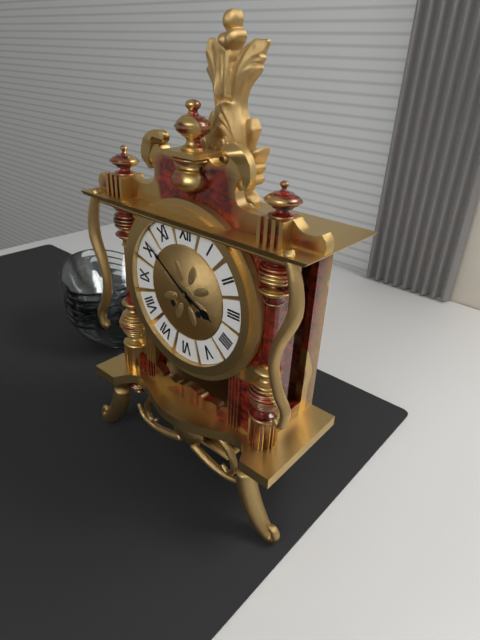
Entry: h=3 m=51
